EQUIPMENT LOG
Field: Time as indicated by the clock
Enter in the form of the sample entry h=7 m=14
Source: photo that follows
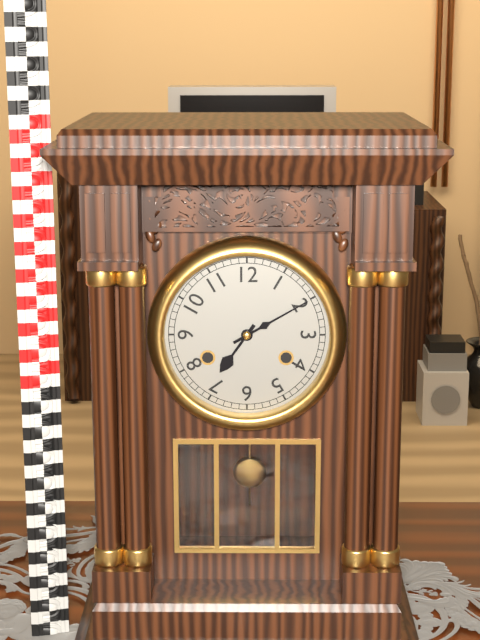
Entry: h=7 m=10
